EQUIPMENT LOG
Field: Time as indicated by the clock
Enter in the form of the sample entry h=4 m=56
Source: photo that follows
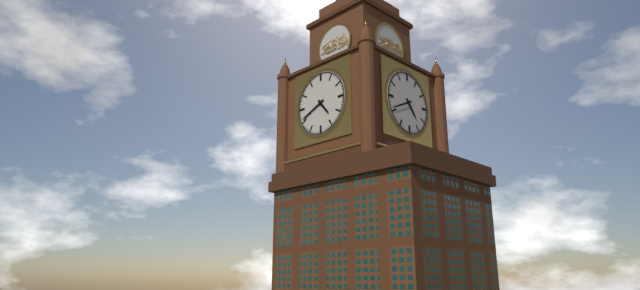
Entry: h=4 m=41
